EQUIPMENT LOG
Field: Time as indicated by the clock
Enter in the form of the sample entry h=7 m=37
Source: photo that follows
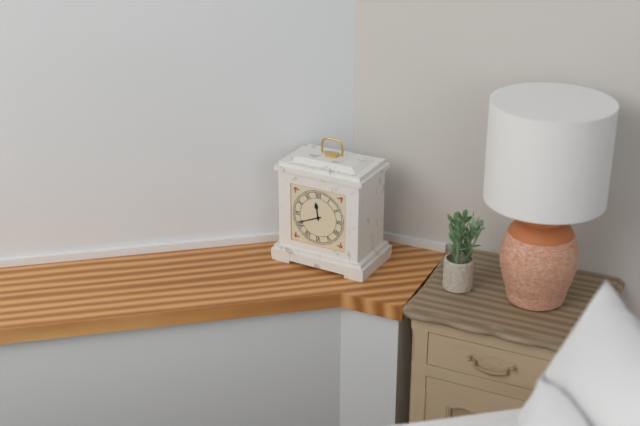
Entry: h=11 m=41
